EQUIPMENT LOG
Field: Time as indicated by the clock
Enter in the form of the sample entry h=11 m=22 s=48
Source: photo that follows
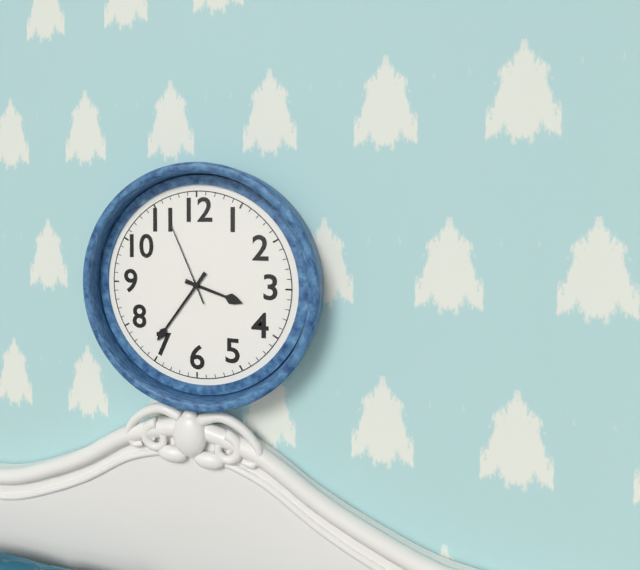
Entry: h=3 m=36 s=56
